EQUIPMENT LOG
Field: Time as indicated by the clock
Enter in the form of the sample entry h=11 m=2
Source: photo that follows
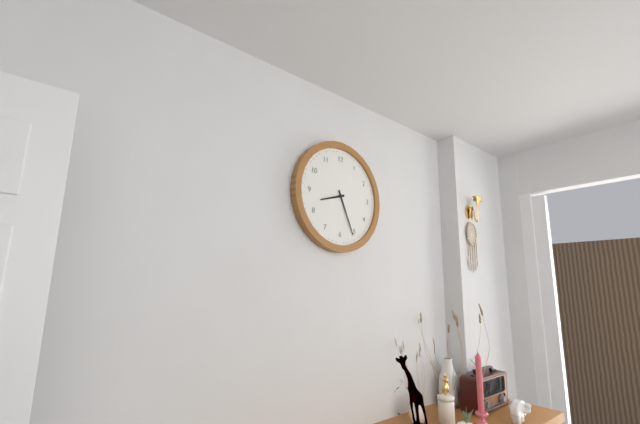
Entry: h=8 m=26
